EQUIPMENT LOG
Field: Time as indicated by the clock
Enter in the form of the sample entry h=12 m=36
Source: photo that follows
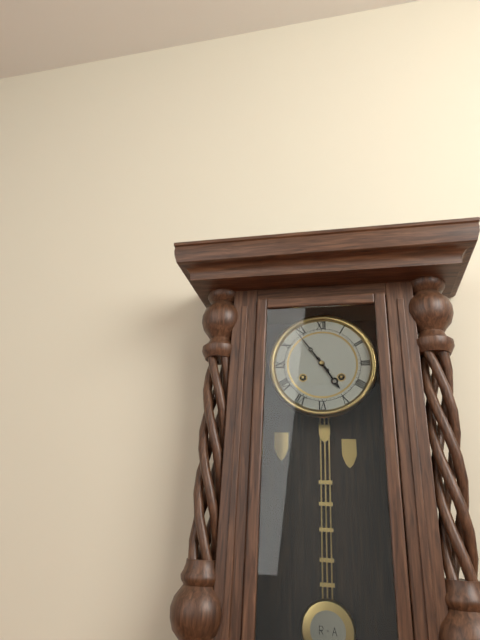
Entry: h=4 m=54
